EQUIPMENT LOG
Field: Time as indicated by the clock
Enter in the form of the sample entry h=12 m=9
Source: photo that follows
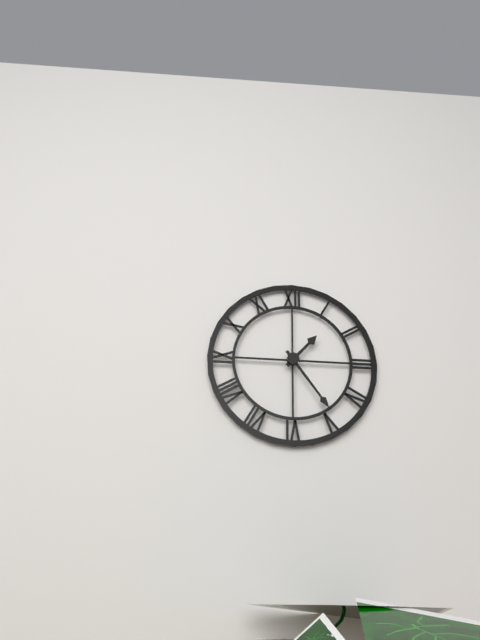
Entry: h=1 m=24
